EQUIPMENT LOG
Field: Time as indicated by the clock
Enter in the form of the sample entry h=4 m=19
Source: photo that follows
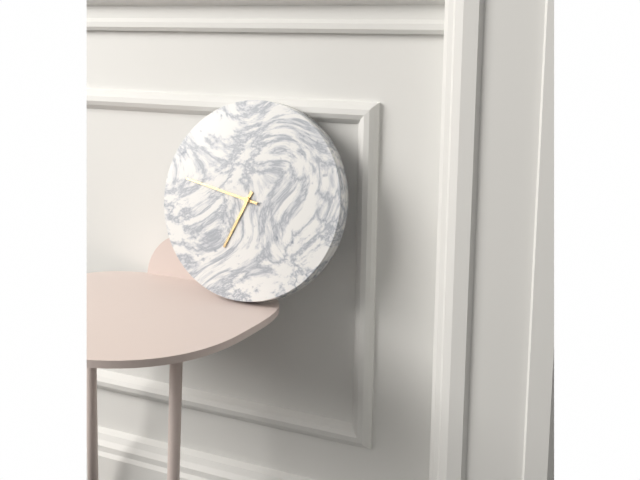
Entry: h=6 m=47
